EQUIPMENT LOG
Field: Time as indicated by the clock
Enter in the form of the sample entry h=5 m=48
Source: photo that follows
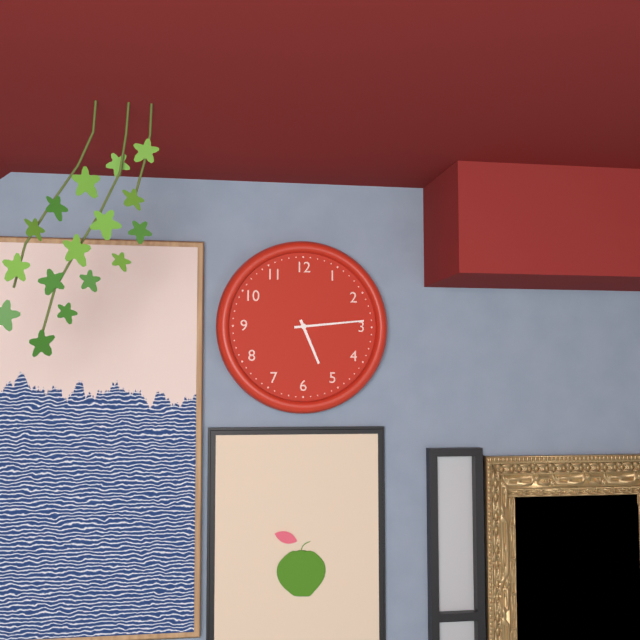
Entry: h=5 m=14
